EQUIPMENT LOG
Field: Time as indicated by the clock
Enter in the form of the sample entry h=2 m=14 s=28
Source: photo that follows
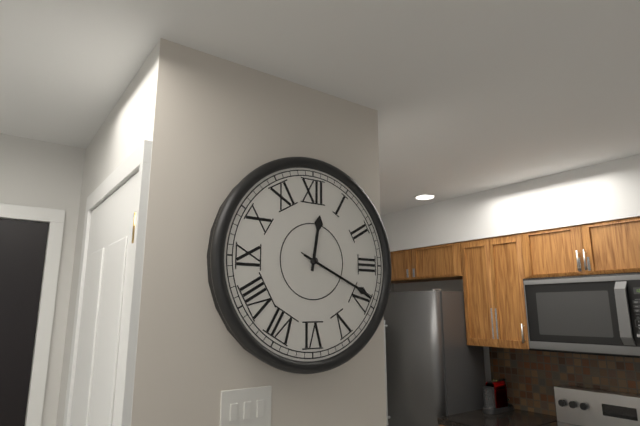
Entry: h=12 m=19 s=19
